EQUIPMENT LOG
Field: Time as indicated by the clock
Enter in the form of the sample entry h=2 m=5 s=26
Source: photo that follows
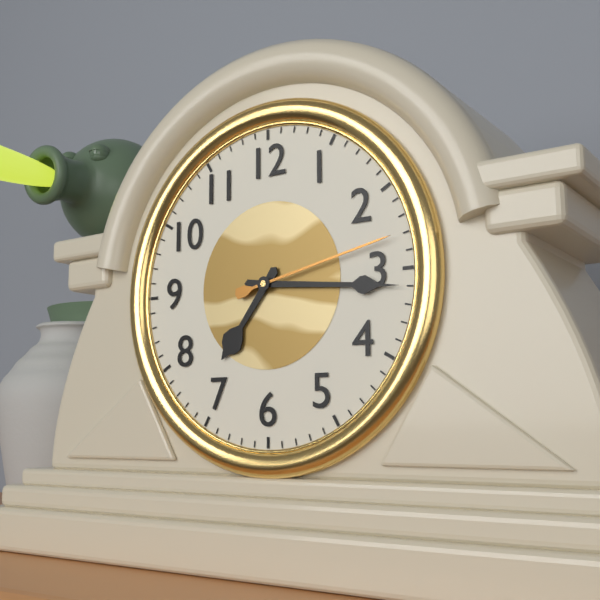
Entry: h=7 m=16 s=13
